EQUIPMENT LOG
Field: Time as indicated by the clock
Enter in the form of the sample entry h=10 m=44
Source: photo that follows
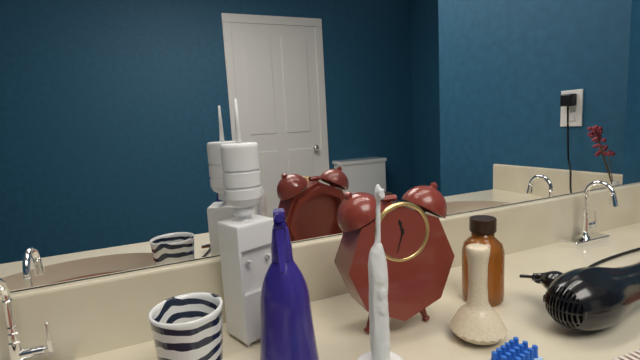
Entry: h=11 m=33
